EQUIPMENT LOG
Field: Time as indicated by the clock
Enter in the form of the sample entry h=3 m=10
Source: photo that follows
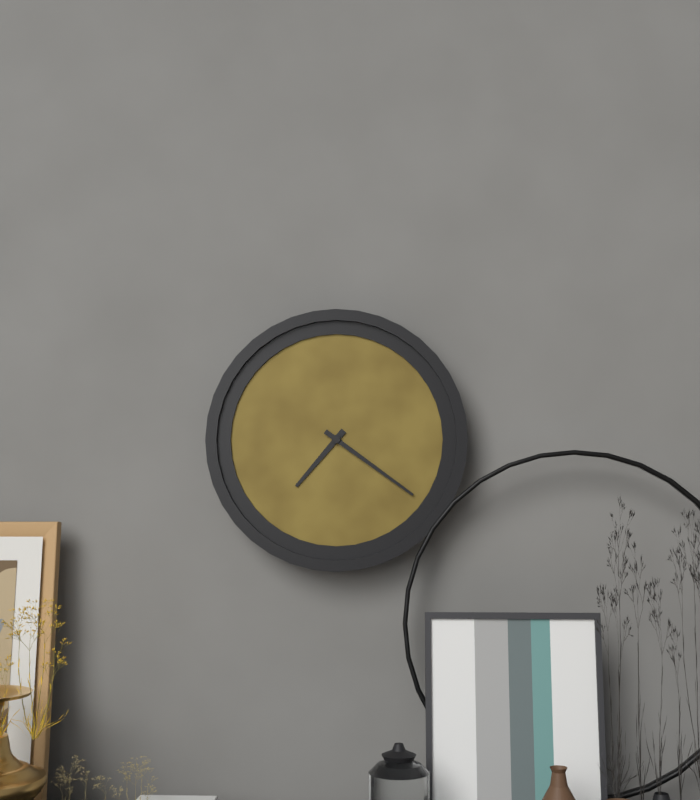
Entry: h=7 m=21
